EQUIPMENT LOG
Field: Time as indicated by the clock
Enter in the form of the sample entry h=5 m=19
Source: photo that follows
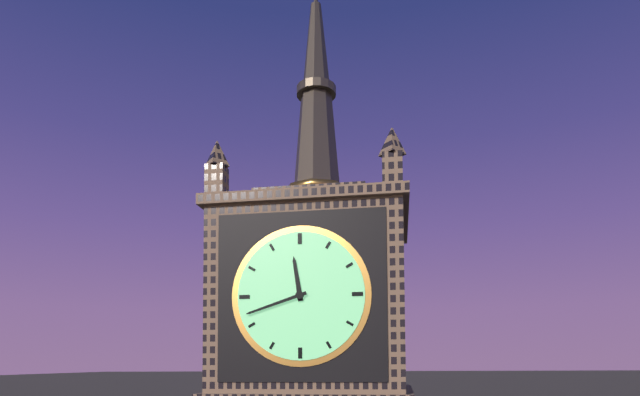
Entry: h=11 m=42
